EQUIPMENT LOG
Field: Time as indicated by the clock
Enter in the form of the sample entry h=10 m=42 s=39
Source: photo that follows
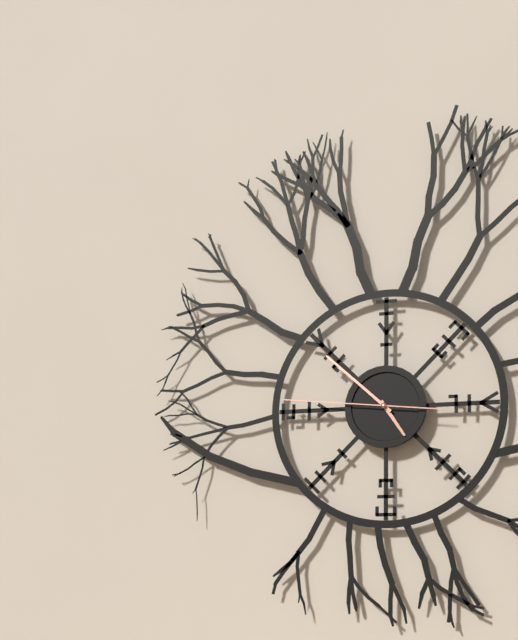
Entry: h=4 m=52 s=46
